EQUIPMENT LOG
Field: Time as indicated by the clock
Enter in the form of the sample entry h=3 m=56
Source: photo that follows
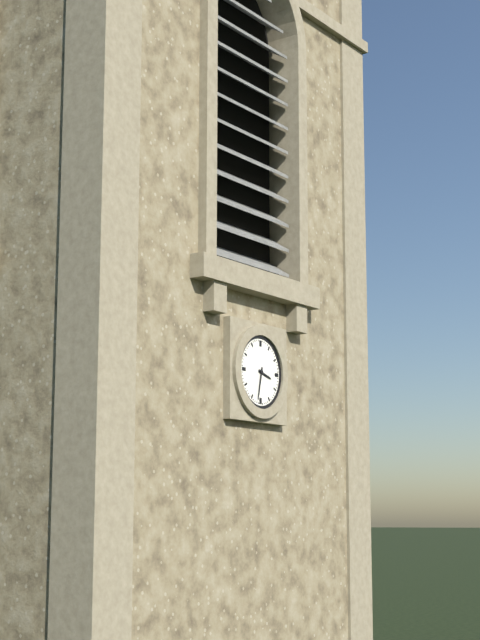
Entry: h=3 m=32
